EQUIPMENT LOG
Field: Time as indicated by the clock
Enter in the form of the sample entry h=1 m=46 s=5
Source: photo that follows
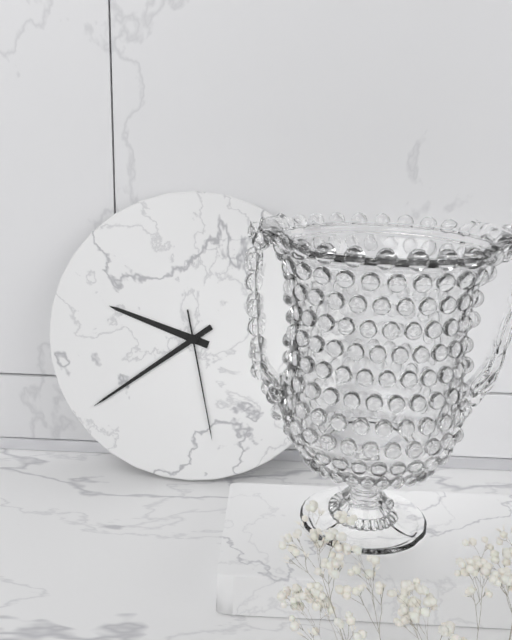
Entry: h=9 m=39 s=28
